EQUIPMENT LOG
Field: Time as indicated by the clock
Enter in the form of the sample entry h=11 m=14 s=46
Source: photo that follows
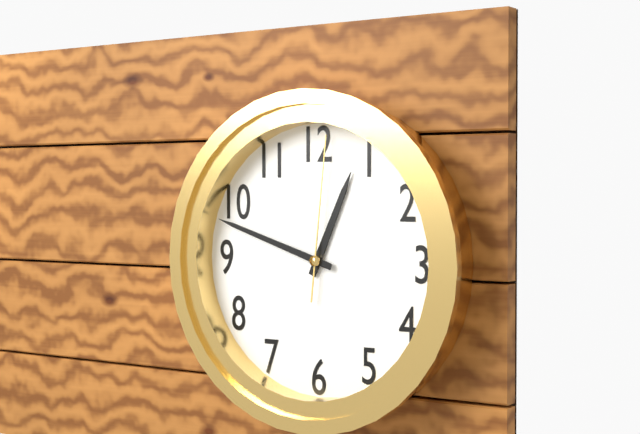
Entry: h=12 m=48 s=1
